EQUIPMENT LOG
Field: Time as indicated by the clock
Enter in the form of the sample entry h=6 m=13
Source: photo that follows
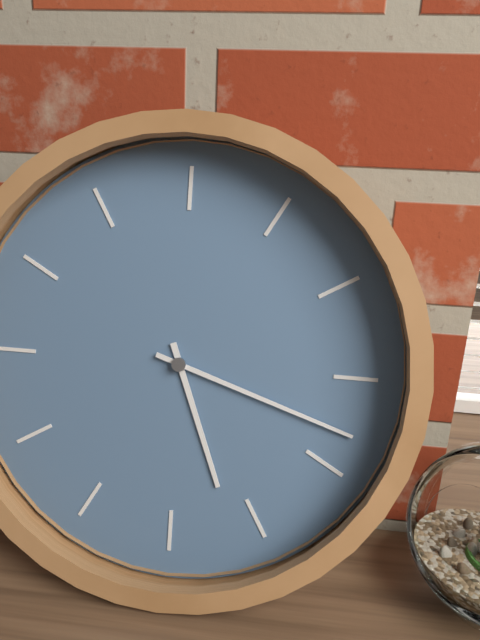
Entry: h=5 m=18
